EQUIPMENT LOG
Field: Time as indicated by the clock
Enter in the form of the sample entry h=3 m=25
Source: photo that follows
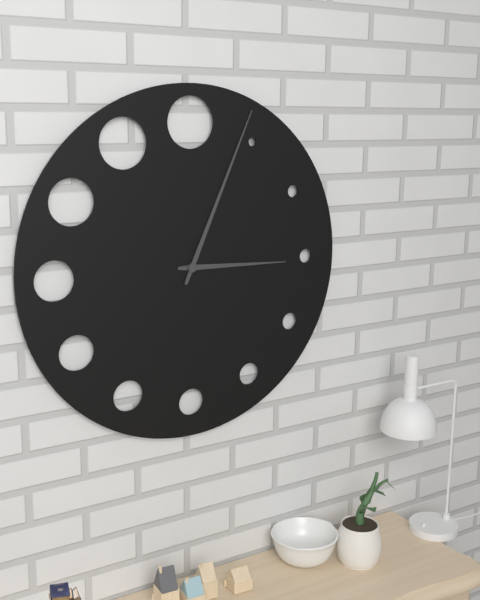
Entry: h=3 m=4
